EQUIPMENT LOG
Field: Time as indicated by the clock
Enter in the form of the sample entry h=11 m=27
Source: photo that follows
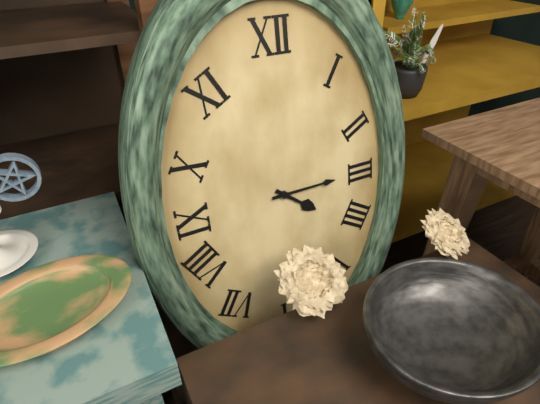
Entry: h=4 m=15
